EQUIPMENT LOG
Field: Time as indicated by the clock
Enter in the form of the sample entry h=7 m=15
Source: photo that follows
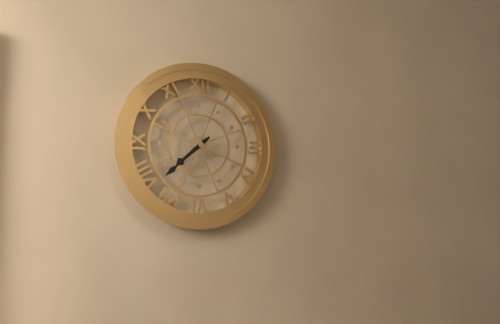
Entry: h=7 m=38
